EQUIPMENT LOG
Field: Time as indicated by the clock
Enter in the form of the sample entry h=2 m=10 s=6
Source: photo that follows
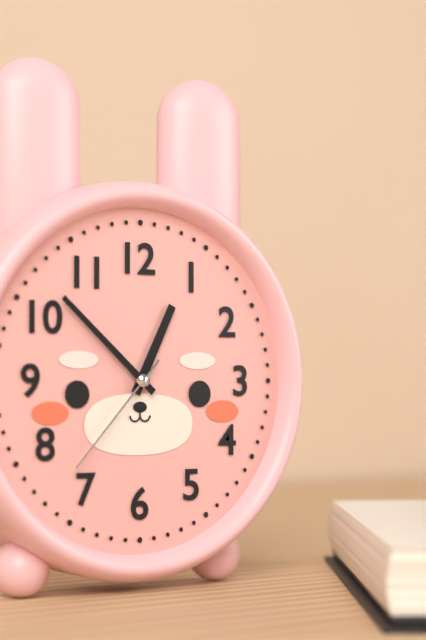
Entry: h=12 m=52 s=37
